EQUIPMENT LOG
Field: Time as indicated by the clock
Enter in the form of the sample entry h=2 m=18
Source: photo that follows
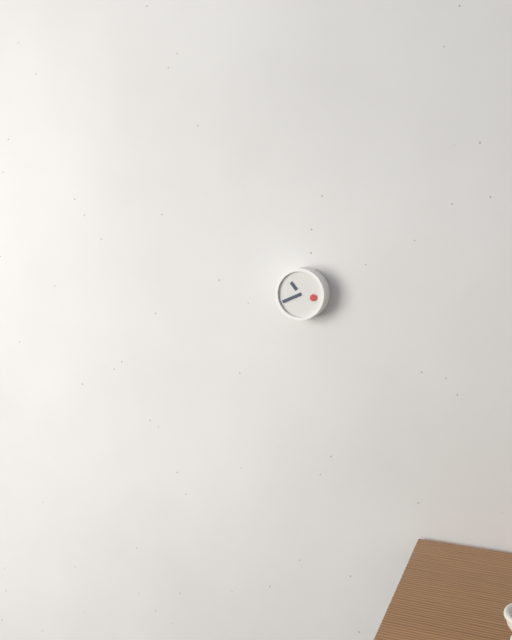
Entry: h=10 m=41
